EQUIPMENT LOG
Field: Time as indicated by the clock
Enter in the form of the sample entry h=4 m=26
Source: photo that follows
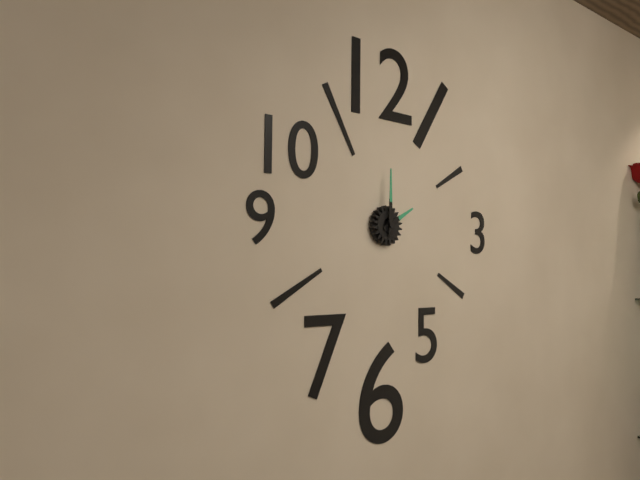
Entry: h=2 m=0
